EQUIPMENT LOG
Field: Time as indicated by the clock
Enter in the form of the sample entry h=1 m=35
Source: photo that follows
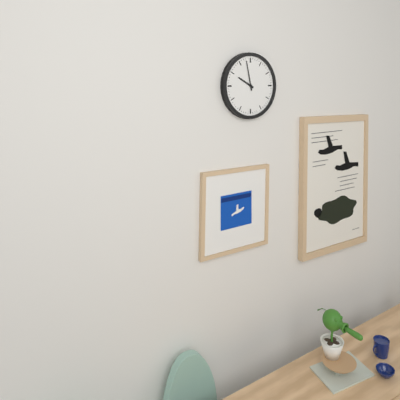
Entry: h=9 m=58
